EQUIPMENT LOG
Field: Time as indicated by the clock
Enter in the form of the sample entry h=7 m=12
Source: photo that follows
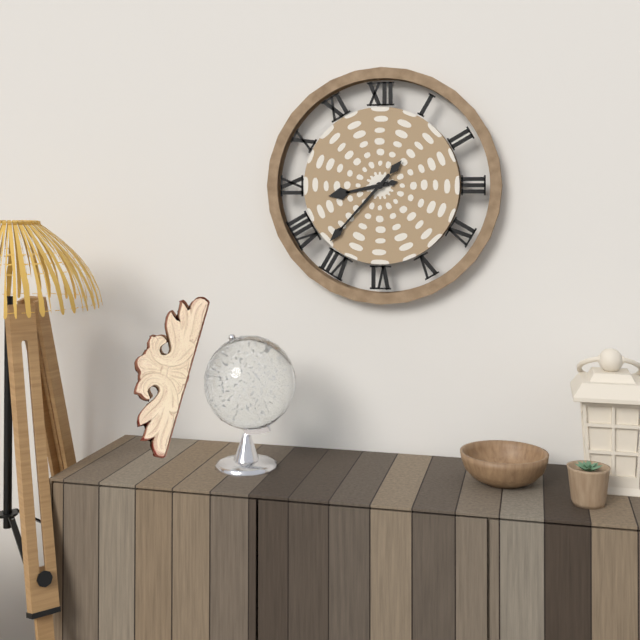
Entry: h=8 m=37
